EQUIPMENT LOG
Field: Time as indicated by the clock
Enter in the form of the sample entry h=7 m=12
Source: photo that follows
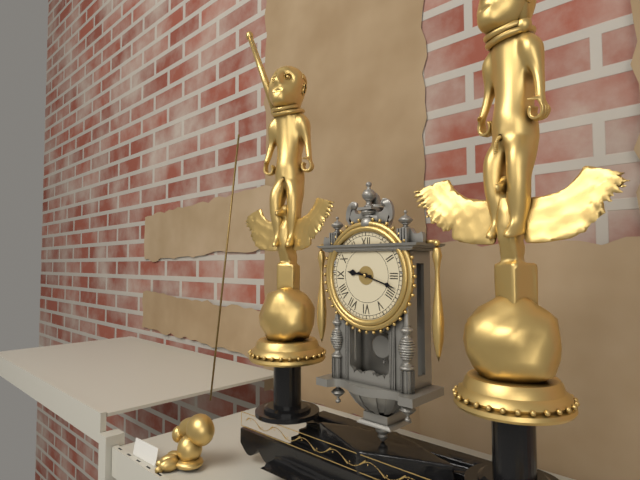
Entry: h=9 m=18
